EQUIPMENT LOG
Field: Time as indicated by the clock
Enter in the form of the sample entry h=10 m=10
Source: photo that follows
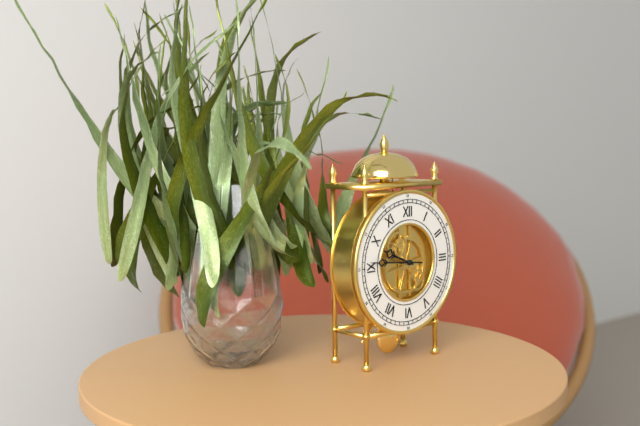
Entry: h=9 m=46
